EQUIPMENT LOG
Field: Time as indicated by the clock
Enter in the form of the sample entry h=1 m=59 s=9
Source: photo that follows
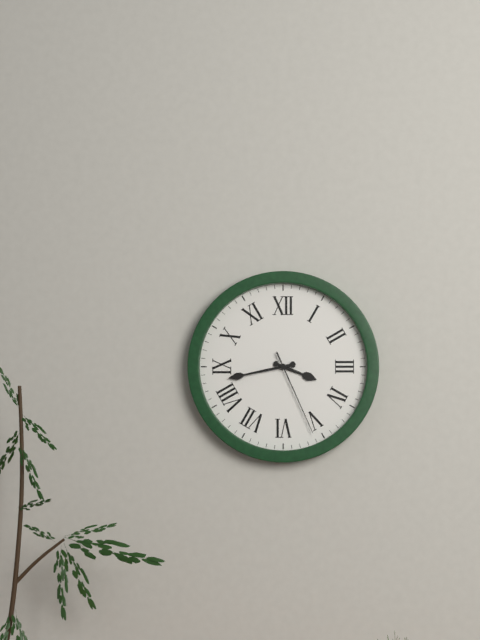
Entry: h=3 m=43 s=26
